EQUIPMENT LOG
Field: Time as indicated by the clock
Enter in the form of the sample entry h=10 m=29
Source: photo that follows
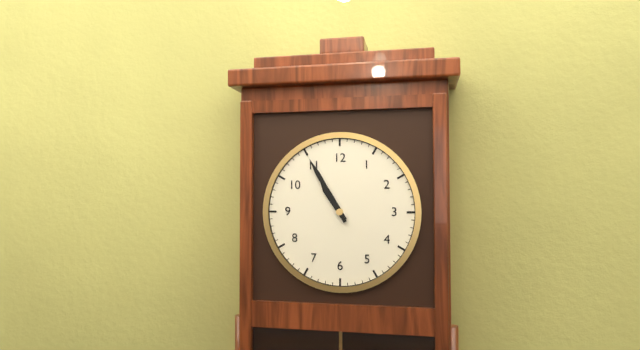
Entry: h=10 m=55
